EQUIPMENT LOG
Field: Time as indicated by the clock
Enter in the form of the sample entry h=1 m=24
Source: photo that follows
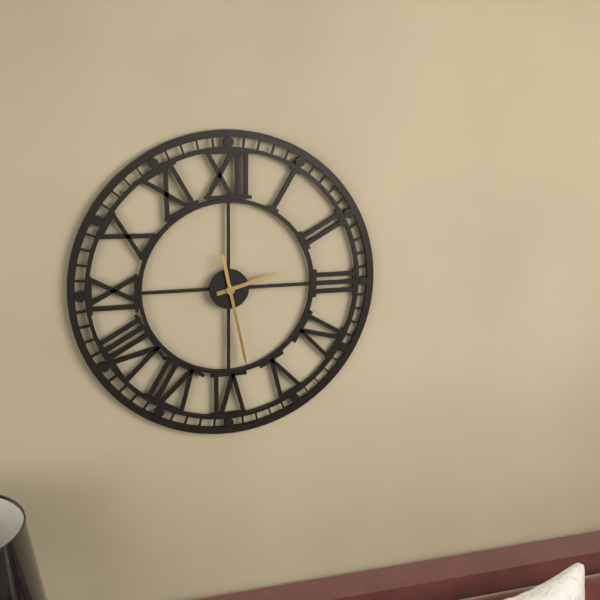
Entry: h=2 m=28
